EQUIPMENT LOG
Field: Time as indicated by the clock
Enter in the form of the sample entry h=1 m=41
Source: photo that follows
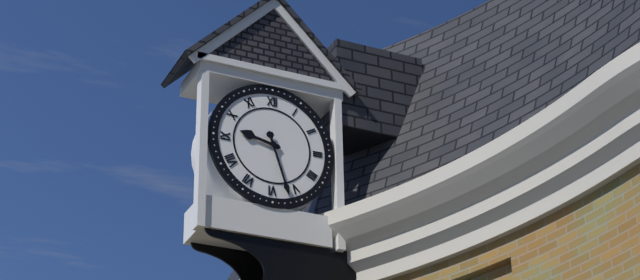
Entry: h=9 m=27
